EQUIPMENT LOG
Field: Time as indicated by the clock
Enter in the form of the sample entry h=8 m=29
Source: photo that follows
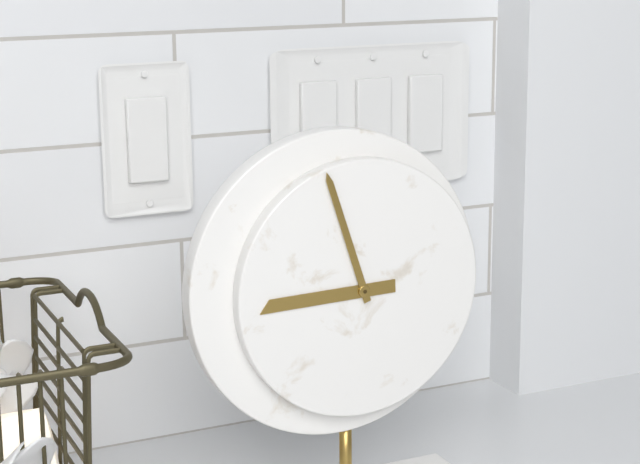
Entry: h=8 m=57
